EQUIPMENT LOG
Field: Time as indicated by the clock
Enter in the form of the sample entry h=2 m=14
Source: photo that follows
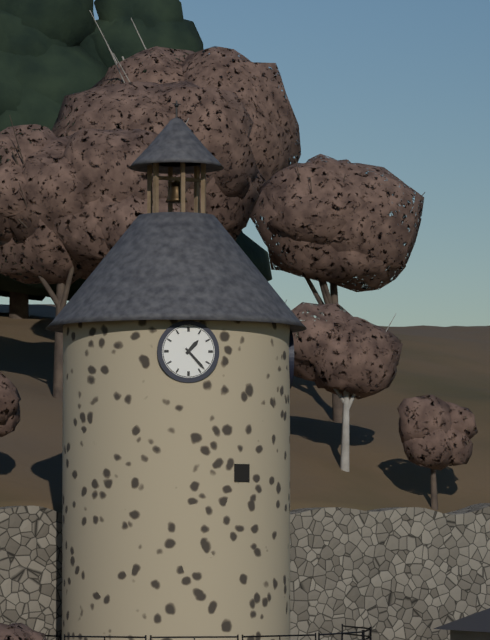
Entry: h=1 m=23
